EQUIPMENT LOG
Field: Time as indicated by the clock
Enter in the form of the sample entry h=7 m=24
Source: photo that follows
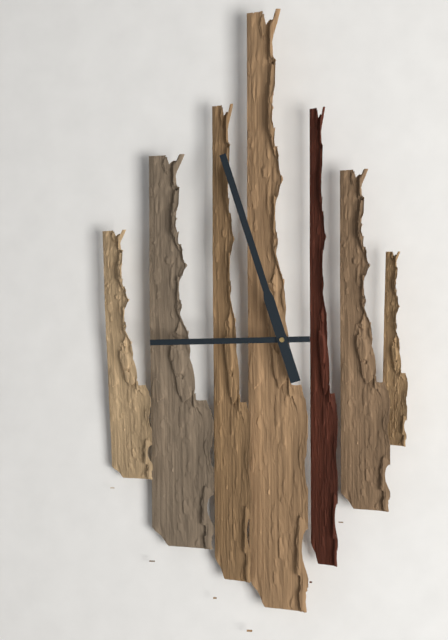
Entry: h=8 m=57
